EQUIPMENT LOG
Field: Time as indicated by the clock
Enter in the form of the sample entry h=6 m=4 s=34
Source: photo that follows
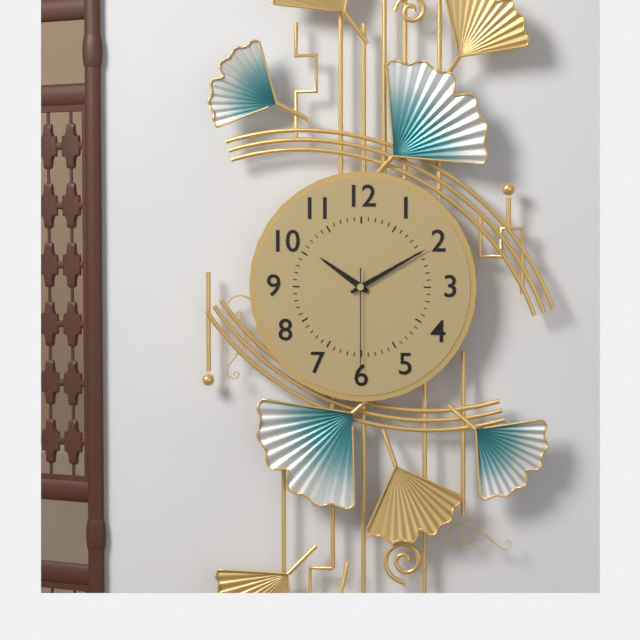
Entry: h=10 m=10 s=30
